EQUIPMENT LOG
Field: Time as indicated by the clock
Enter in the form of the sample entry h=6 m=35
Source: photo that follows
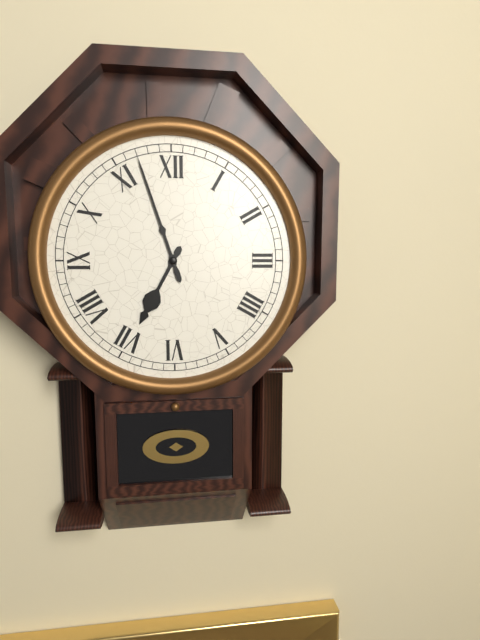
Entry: h=6 m=57
